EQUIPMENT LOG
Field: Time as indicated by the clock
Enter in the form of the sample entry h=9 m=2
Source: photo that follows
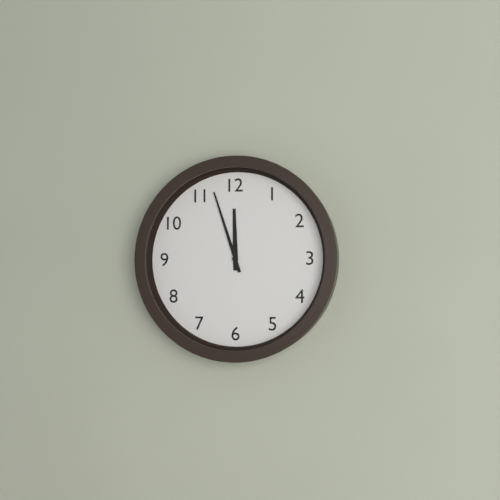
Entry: h=11 m=57
